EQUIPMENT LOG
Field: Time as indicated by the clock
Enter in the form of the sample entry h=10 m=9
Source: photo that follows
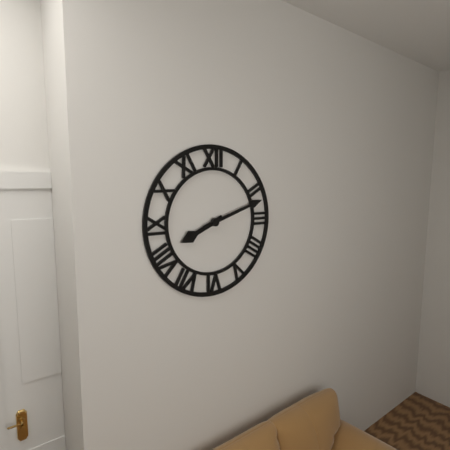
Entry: h=8 m=12
